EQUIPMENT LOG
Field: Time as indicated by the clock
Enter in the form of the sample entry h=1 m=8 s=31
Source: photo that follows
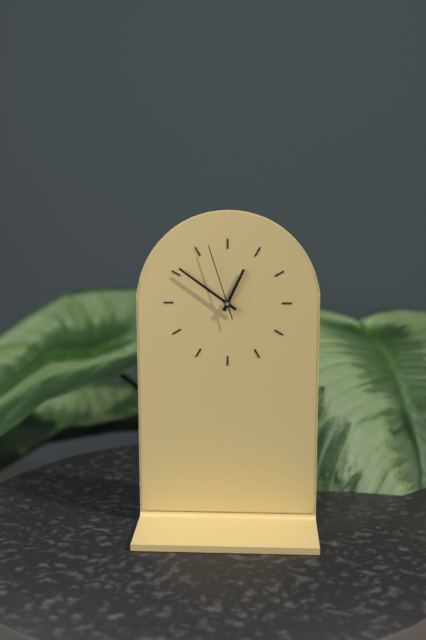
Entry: h=12 m=51 s=57
